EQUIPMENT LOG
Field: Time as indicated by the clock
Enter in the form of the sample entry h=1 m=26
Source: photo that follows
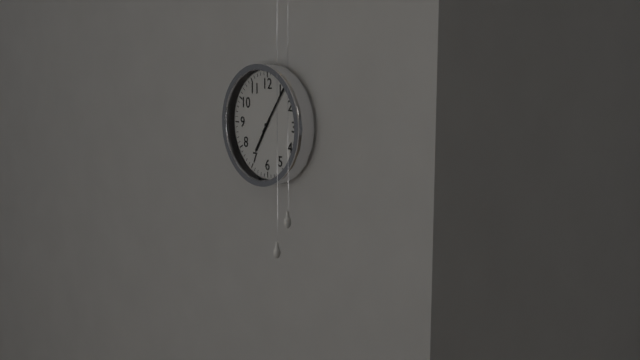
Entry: h=7 m=6
